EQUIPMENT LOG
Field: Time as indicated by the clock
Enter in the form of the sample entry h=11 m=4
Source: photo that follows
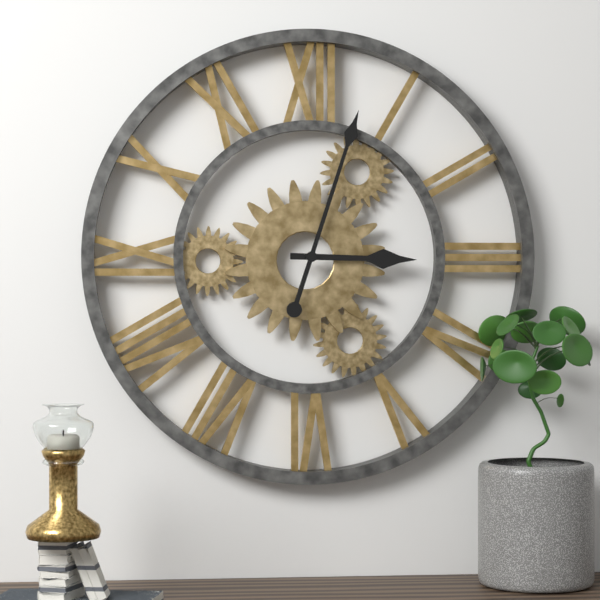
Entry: h=3 m=3
